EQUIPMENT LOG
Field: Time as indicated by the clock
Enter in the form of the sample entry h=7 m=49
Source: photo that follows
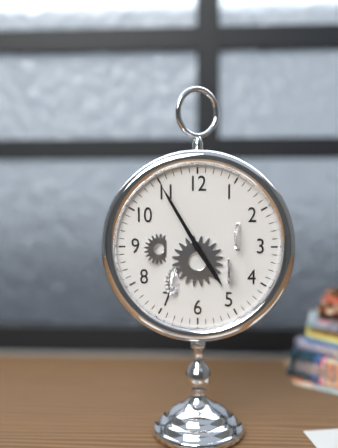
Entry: h=4 m=55
